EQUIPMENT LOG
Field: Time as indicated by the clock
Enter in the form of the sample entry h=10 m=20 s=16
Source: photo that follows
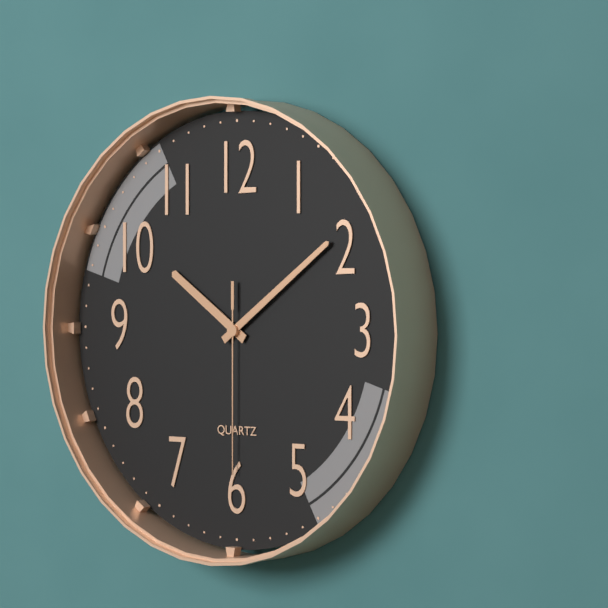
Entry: h=10 m=9 s=30
